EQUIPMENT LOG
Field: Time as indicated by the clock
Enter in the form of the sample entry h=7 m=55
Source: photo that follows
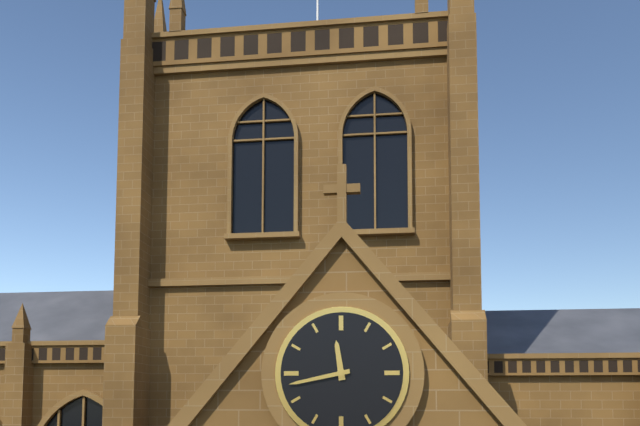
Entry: h=11 m=43
